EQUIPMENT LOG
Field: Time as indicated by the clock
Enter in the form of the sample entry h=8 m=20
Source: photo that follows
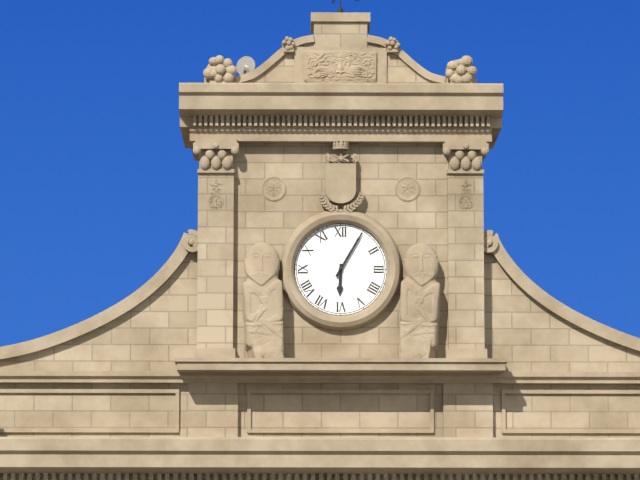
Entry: h=6 m=5
